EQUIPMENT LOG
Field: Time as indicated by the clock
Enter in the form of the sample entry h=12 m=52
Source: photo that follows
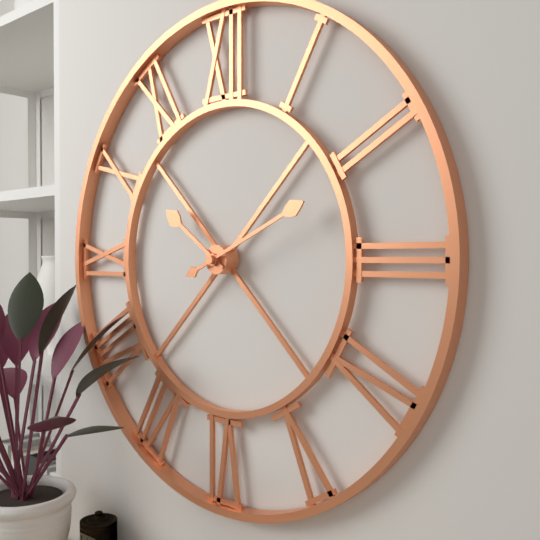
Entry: h=10 m=11
